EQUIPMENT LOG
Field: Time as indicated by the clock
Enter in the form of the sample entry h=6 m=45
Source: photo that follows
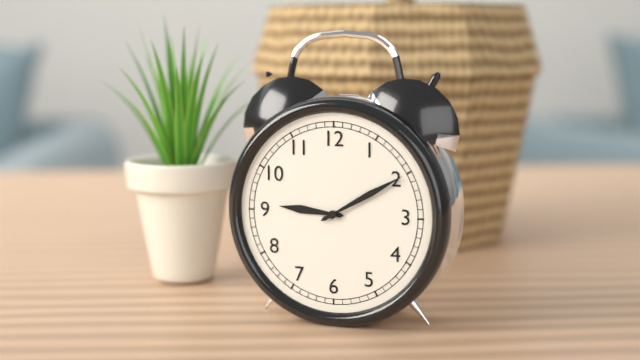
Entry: h=9 m=10
